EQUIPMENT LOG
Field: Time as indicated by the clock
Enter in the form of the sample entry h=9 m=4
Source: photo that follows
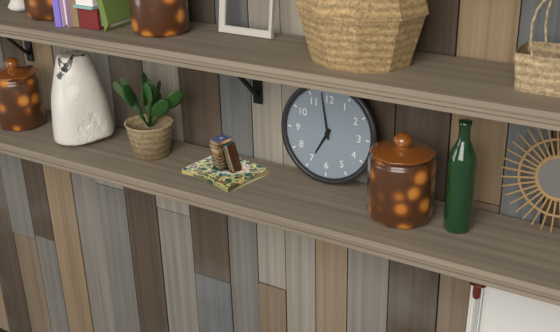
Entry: h=6 m=58
